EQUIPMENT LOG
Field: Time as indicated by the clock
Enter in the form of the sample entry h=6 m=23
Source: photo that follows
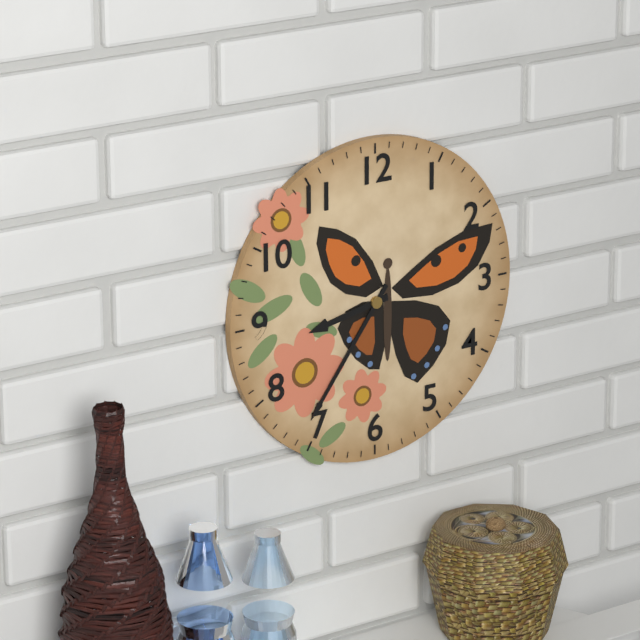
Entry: h=8 m=36
